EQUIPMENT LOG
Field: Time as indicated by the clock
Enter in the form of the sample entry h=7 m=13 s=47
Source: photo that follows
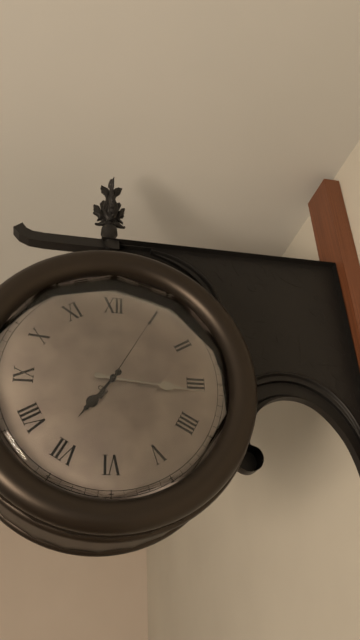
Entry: h=7 m=16 s=5
